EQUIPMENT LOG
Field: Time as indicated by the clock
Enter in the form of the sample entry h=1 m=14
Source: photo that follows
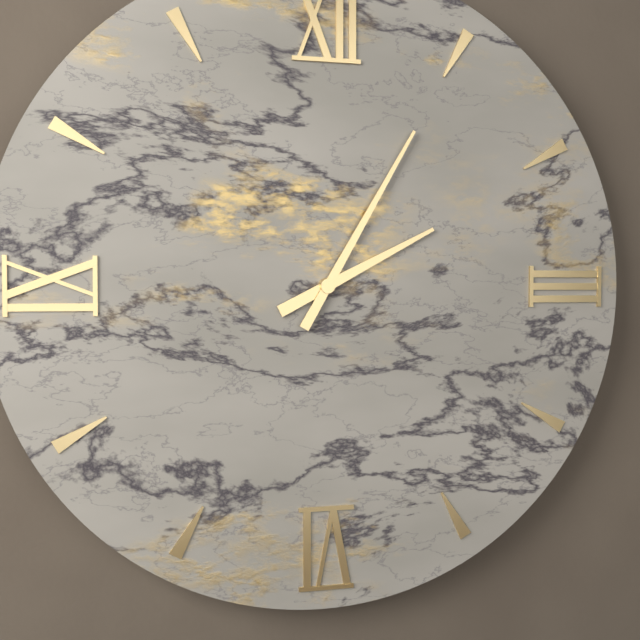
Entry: h=2 m=5
